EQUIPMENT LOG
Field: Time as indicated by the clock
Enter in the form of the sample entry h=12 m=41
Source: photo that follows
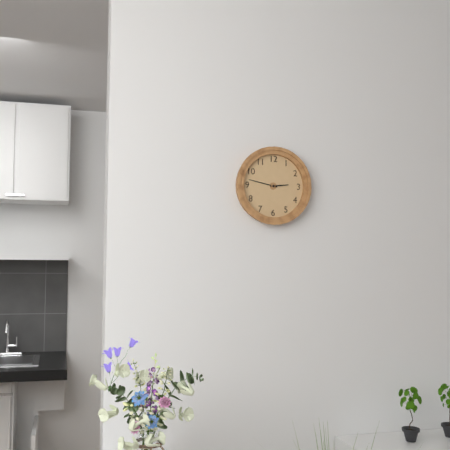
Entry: h=2 m=47
